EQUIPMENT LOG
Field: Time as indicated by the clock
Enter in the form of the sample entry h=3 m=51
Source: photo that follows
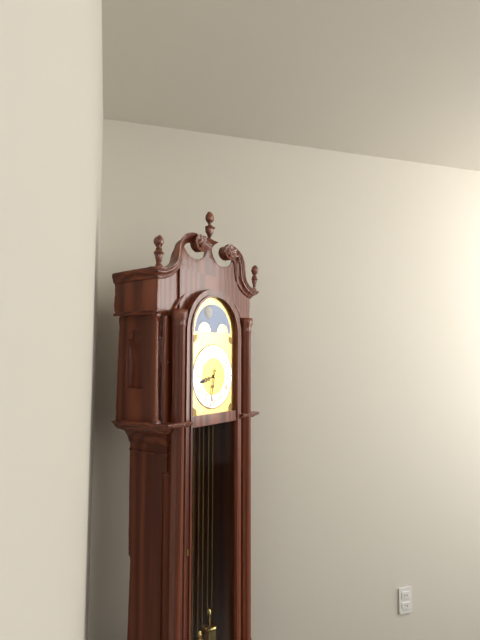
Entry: h=8 m=32
